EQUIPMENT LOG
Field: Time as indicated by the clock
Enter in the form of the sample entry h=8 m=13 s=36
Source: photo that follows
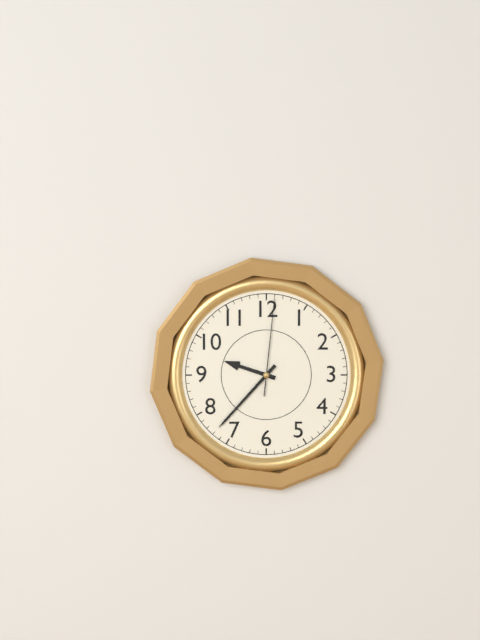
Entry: h=9 m=37 s=1
